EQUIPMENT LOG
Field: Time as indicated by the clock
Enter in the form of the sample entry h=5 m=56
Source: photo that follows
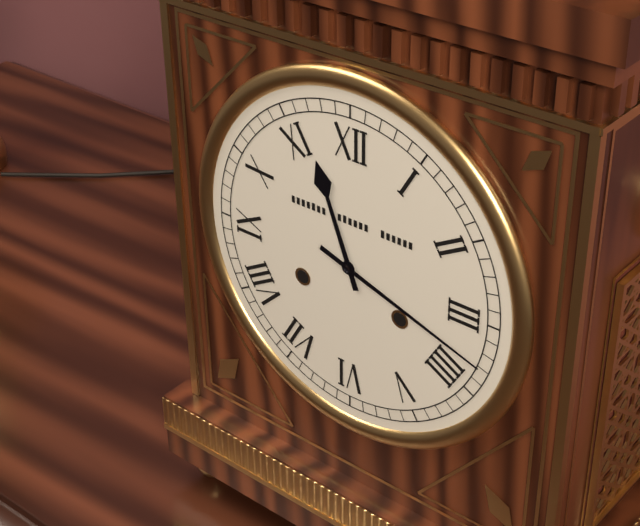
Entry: h=11 m=18
